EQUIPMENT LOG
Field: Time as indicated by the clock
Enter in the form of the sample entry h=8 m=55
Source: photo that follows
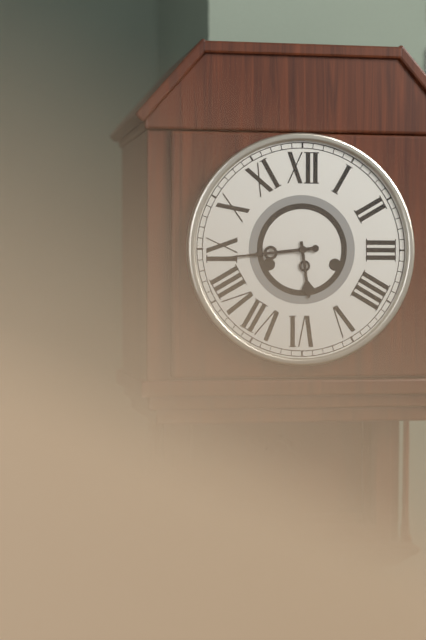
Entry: h=5 m=44
